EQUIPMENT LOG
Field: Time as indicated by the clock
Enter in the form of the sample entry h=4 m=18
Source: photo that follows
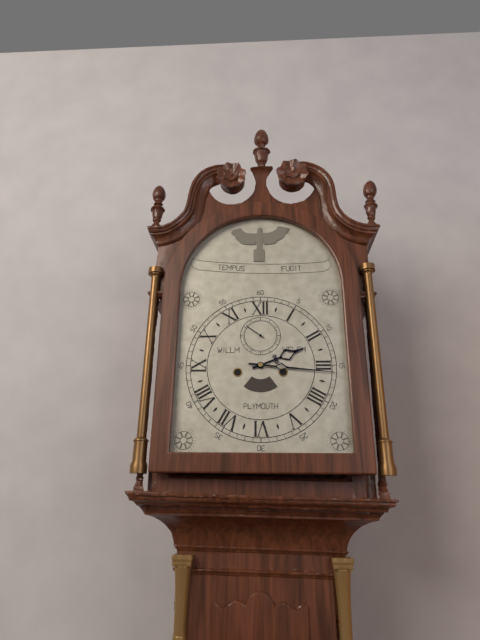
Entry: h=2 m=16
